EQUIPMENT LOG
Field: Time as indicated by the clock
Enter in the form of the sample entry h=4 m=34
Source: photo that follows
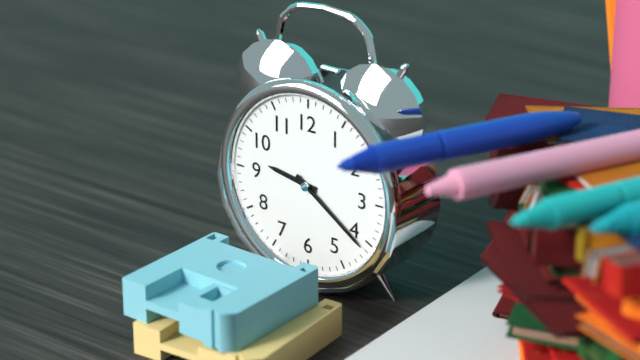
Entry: h=9 m=21
